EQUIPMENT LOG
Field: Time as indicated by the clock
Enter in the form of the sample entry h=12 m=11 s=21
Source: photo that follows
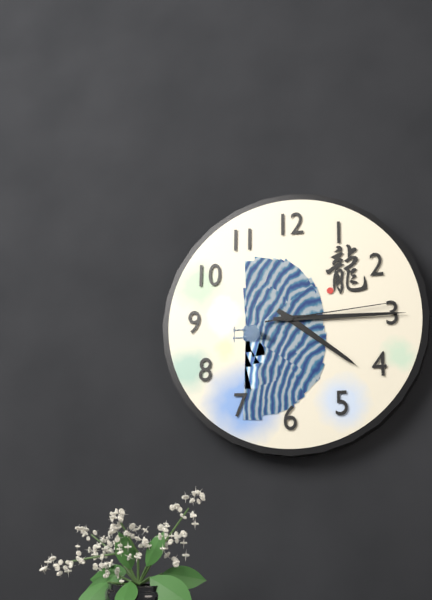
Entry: h=4 m=15 s=14
